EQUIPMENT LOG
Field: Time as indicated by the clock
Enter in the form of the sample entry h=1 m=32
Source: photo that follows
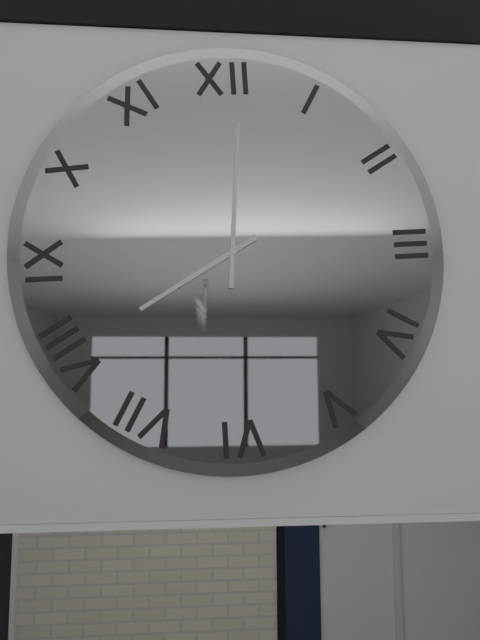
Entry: h=8 m=1
